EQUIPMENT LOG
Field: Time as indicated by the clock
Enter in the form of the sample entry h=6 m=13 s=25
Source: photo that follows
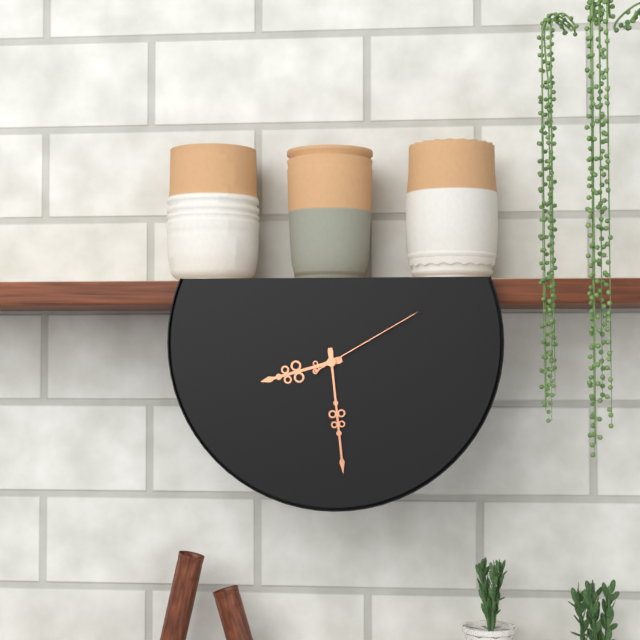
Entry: h=8 m=29 s=10
